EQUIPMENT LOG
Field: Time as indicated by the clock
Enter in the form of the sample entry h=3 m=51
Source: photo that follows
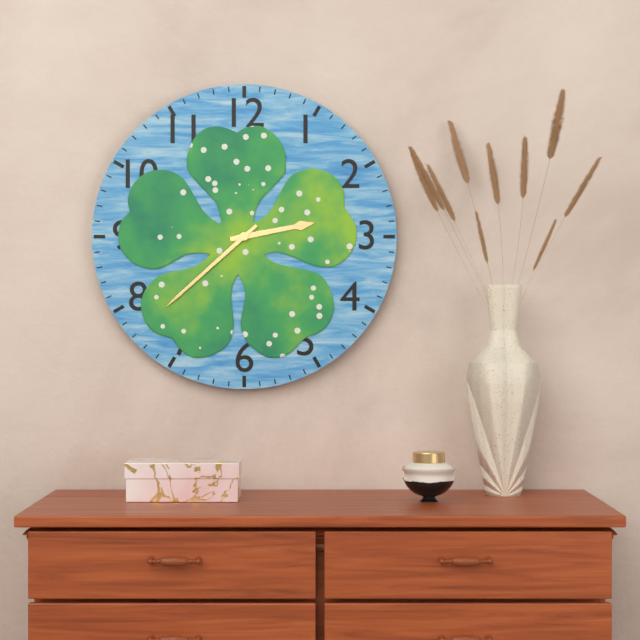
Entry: h=2 m=38
